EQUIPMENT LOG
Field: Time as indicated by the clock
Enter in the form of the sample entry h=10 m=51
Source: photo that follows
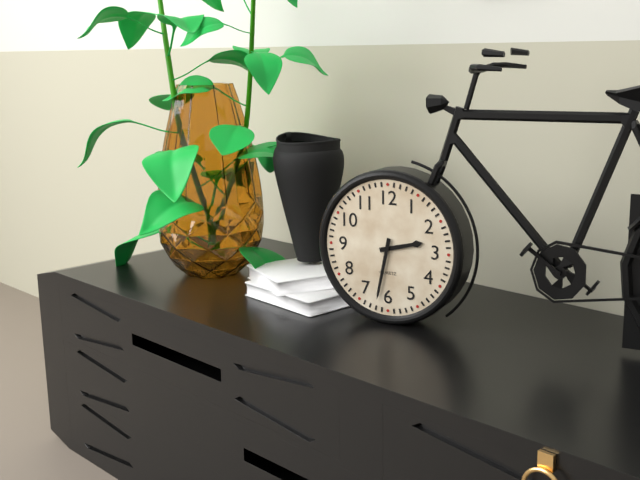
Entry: h=2 m=32
